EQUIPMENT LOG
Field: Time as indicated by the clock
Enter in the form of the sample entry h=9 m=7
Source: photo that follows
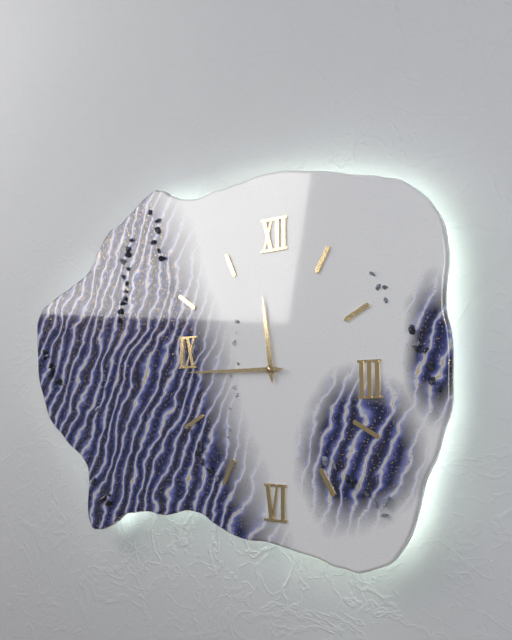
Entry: h=11 m=45
